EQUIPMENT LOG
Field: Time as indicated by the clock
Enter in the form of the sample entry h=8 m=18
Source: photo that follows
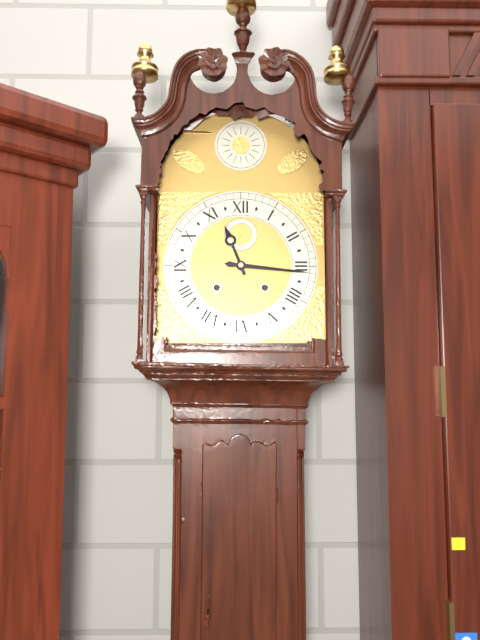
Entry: h=11 m=16
